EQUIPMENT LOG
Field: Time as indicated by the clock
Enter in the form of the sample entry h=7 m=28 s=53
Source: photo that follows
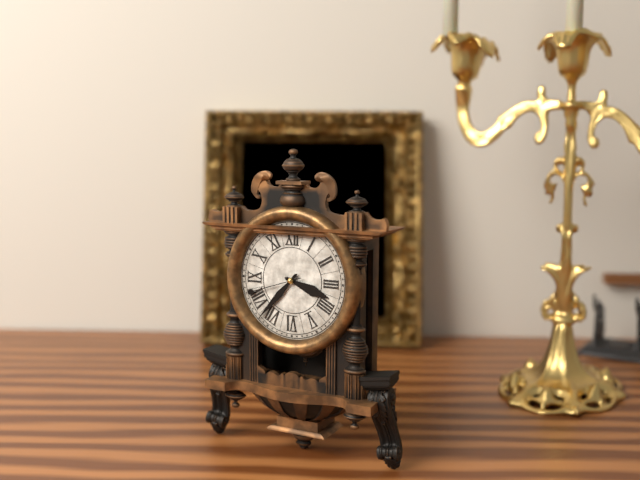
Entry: h=3 m=37 s=42
